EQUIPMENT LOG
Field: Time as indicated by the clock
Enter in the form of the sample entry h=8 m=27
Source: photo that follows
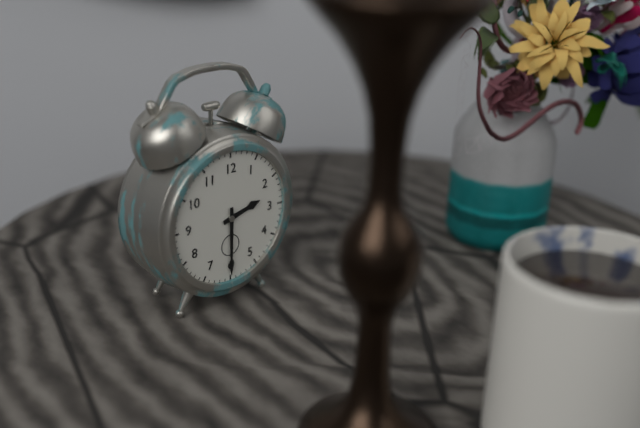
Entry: h=2 m=30
